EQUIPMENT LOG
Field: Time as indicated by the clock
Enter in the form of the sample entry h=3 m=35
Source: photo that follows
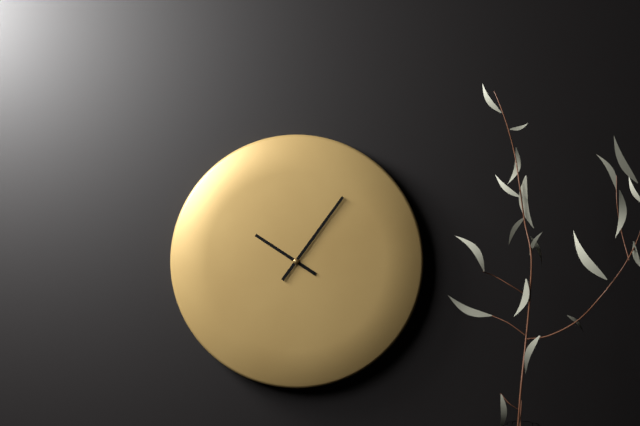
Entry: h=10 m=6
